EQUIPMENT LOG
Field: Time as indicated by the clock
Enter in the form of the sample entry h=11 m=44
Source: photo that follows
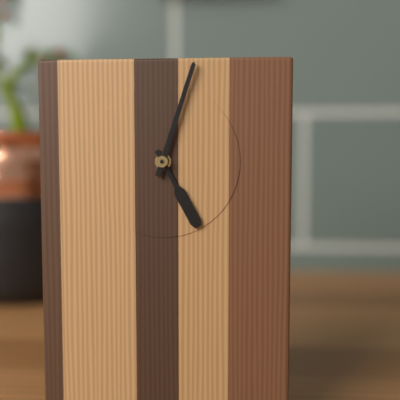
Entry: h=5 m=3
